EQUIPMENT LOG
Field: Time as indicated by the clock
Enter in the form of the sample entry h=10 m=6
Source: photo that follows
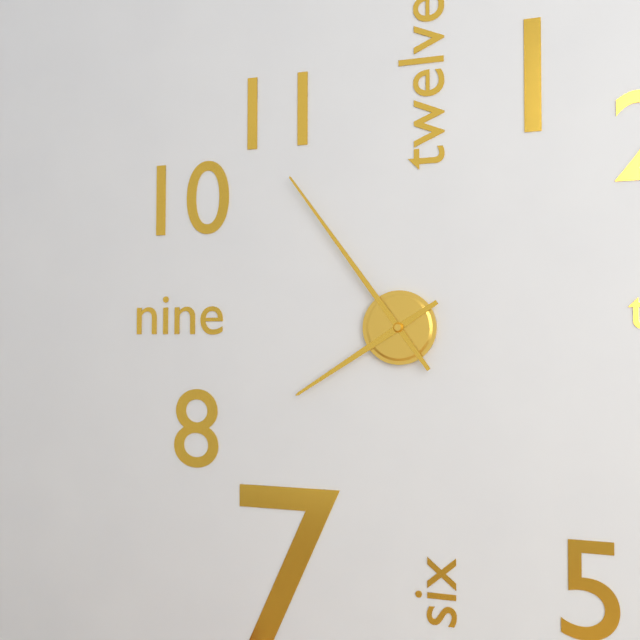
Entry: h=7 m=54
